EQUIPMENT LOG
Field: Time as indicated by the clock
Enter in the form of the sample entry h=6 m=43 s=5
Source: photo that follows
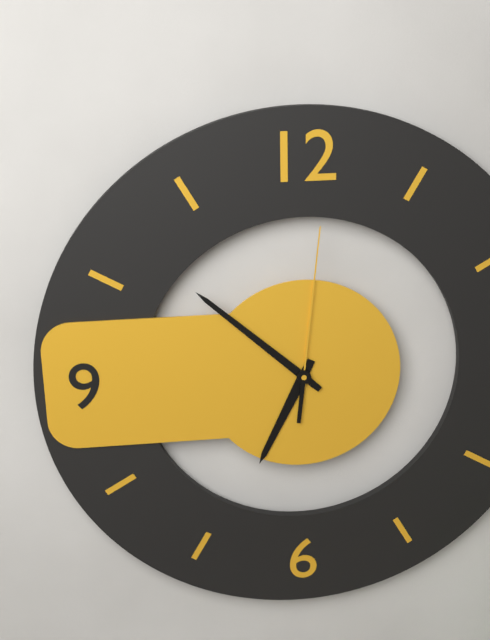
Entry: h=6 m=52 s=1
